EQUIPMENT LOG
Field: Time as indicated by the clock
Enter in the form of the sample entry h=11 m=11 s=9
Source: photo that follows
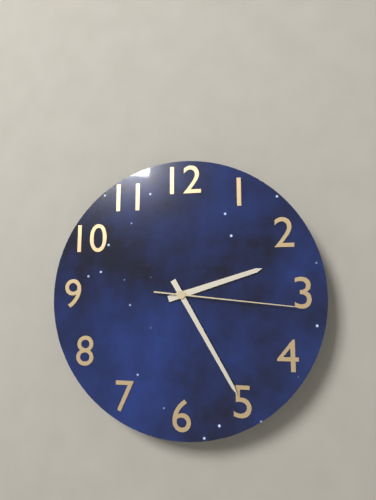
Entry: h=2 m=25 s=16
